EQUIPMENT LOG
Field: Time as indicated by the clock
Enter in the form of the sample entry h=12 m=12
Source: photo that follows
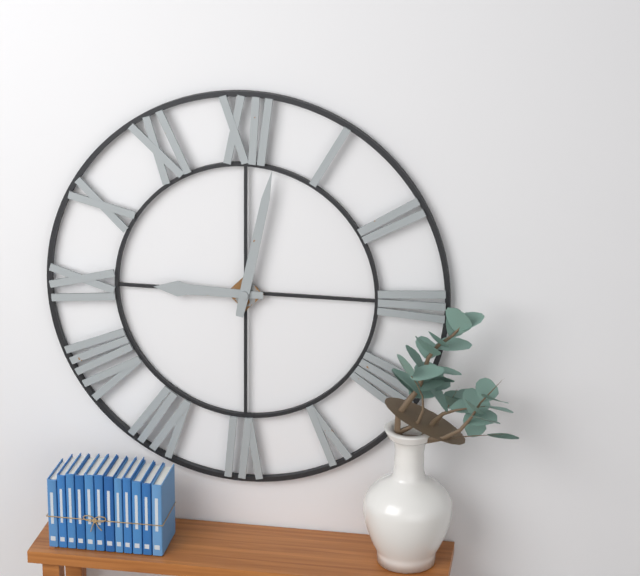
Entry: h=9 m=2
